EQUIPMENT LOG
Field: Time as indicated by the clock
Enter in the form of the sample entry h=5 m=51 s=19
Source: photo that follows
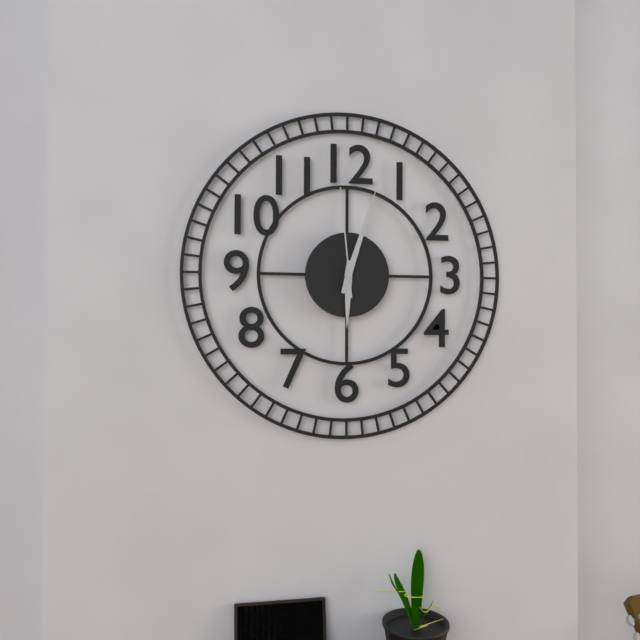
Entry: h=6 m=3 s=59
